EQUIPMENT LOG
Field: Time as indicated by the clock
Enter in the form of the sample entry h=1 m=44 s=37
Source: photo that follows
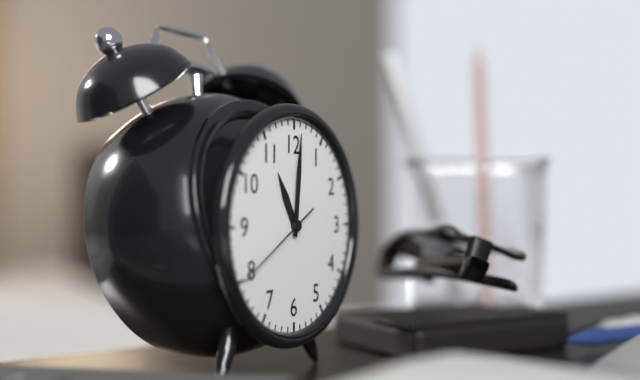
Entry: h=11 m=1 s=40
